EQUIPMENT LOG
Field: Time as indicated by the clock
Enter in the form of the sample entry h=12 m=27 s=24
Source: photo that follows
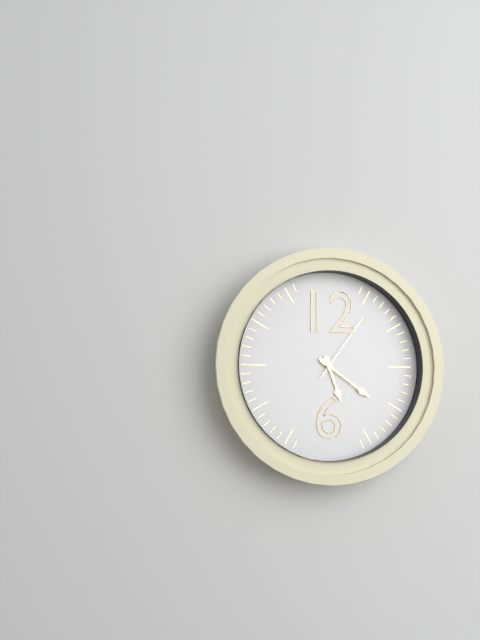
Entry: h=5 m=21 s=6
